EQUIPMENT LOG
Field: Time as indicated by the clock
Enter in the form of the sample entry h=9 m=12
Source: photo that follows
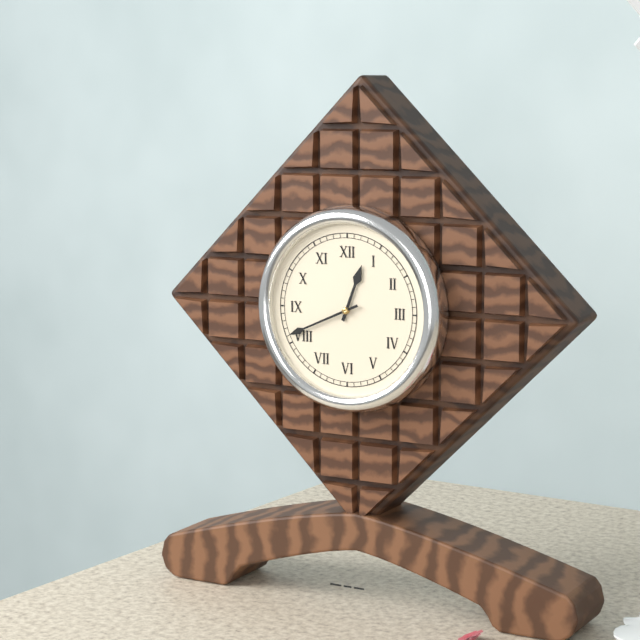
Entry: h=12 m=41
